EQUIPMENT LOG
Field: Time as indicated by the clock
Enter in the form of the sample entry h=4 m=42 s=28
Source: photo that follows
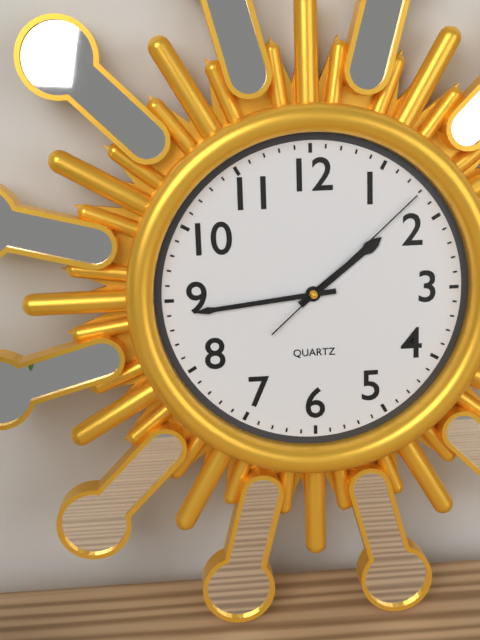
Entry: h=1 m=44 s=8
